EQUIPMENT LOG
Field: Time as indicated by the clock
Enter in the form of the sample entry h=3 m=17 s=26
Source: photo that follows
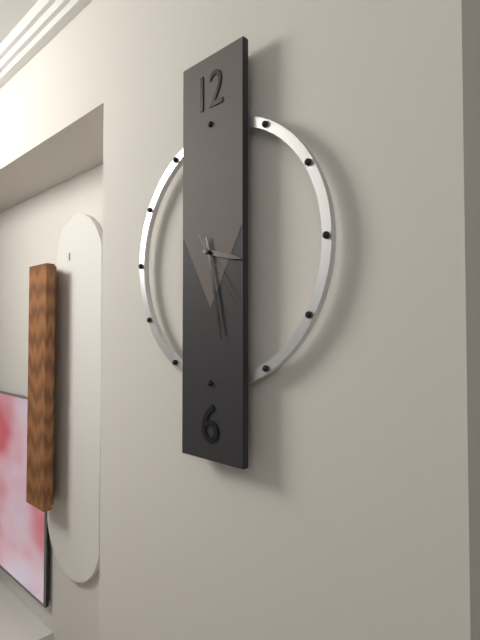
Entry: h=3 m=28 s=24
